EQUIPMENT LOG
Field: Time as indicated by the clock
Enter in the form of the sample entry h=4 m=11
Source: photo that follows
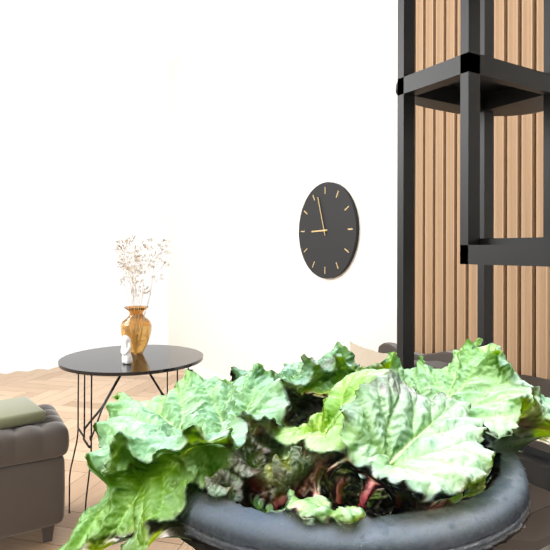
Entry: h=8 m=57
